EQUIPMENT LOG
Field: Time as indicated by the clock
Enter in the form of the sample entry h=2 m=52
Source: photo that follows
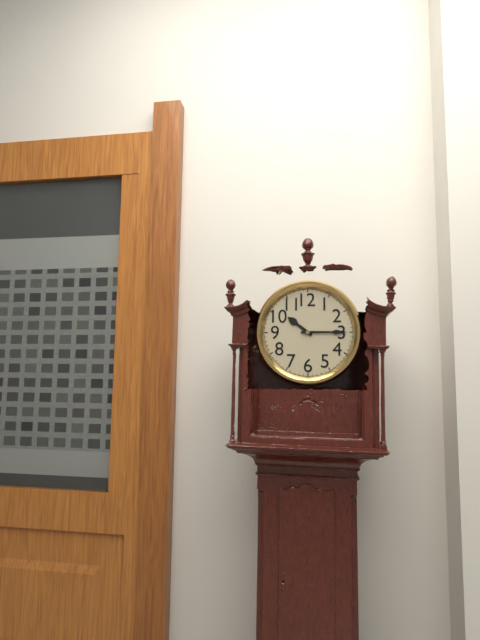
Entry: h=10 m=15
